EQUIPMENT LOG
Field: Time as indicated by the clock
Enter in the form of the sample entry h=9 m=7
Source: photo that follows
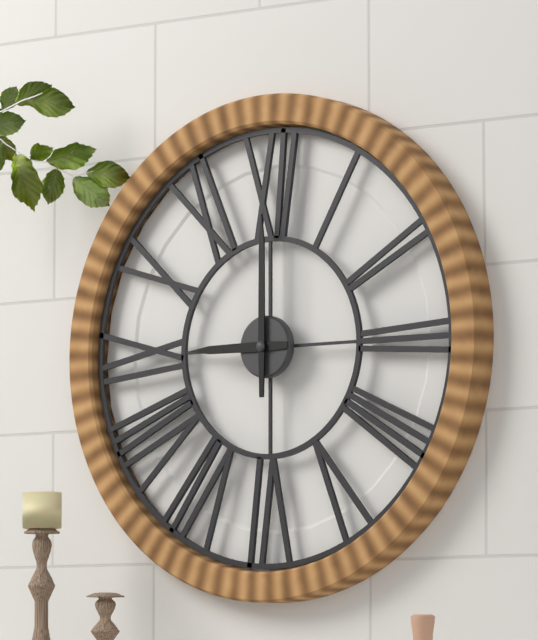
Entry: h=9 m=0
